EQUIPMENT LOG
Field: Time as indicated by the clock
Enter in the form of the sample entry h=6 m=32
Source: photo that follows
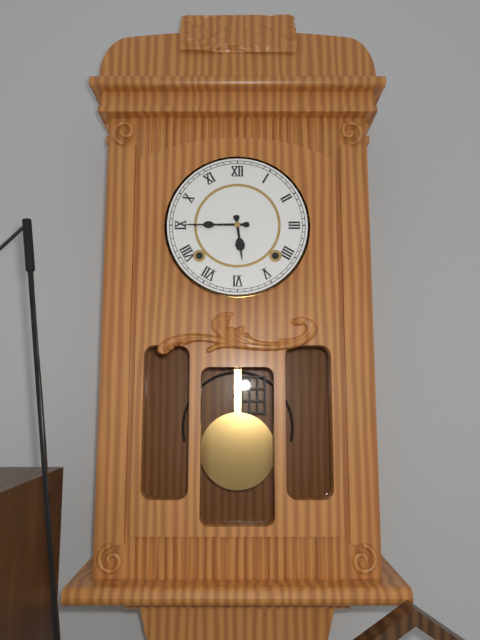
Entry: h=5 m=45
